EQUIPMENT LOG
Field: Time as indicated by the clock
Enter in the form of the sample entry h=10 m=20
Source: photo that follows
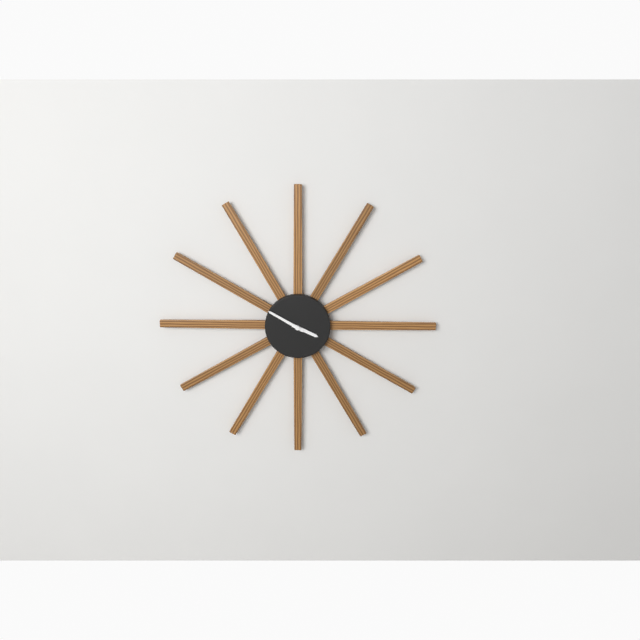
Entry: h=3 m=50
